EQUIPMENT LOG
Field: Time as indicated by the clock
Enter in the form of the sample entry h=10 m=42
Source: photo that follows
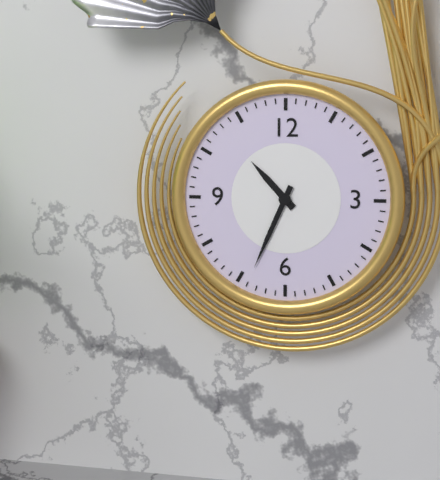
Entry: h=10 m=34
